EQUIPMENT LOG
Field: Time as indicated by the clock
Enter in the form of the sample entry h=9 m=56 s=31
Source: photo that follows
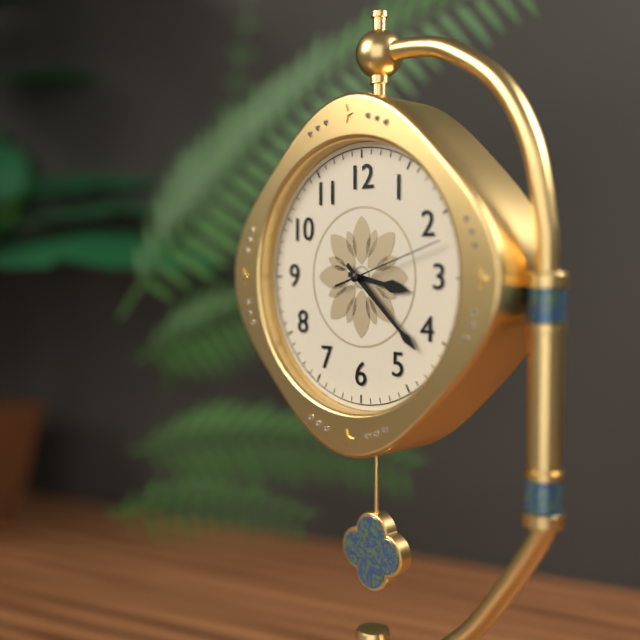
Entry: h=3 m=22 s=12
